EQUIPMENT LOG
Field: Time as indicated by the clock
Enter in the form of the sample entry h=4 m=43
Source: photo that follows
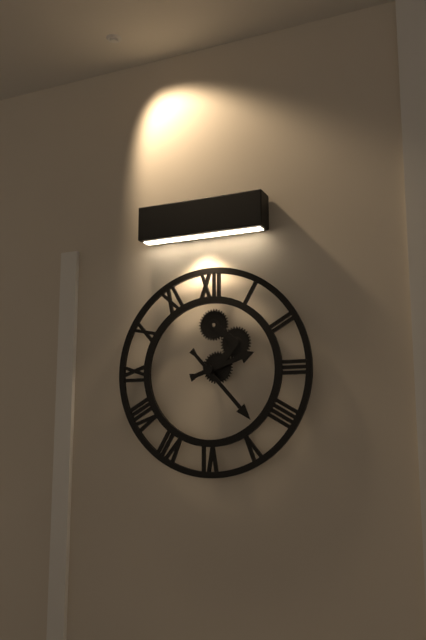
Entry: h=2 m=23
